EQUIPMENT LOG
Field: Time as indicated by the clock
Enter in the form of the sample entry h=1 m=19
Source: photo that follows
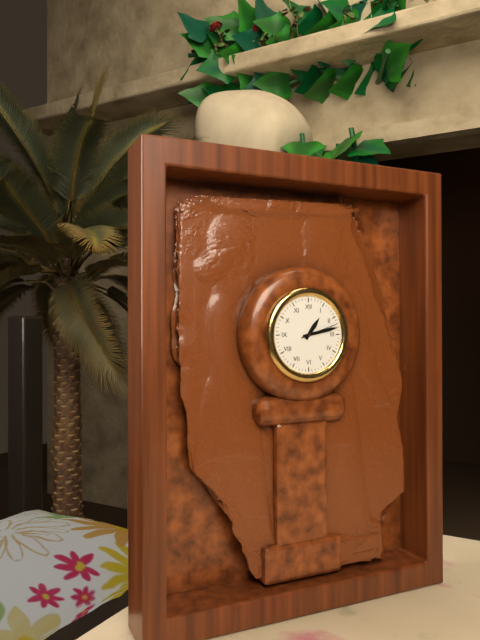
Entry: h=1 m=13
